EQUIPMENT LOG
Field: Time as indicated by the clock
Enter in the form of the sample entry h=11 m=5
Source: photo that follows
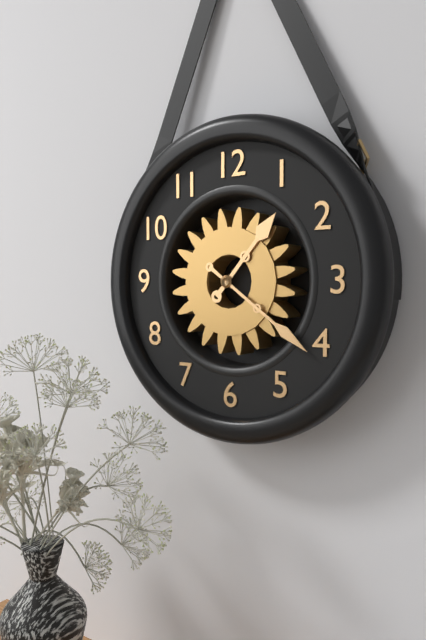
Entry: h=1 m=21
